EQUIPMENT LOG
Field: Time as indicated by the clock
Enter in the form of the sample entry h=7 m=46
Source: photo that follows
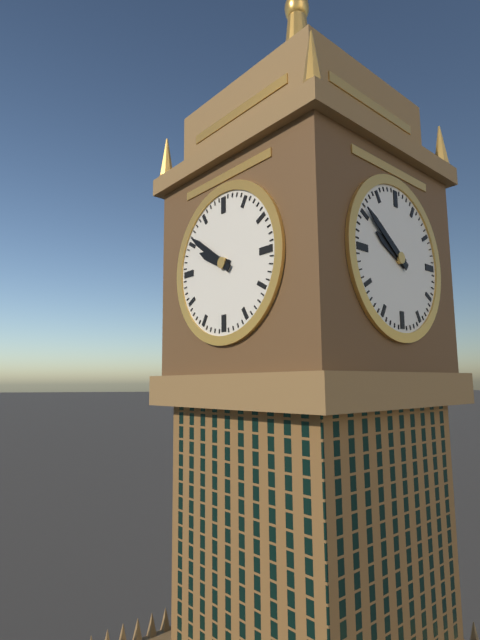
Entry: h=9 m=51
